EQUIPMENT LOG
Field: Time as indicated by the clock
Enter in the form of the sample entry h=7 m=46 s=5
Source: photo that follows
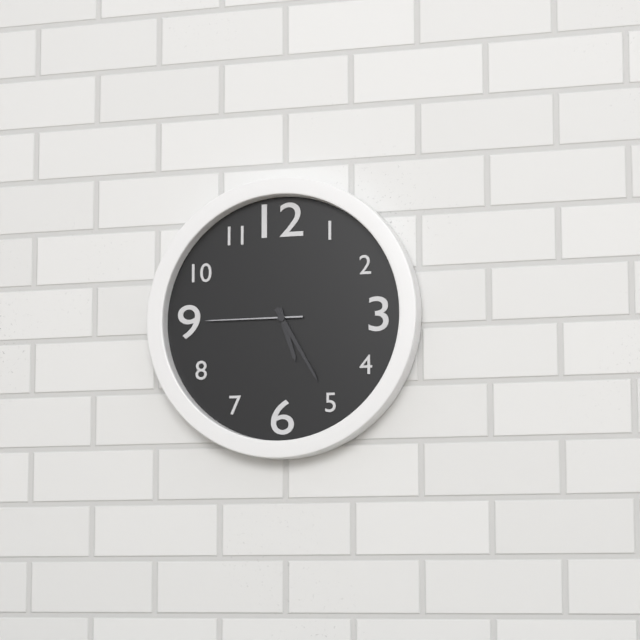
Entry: h=5 m=25 s=45
